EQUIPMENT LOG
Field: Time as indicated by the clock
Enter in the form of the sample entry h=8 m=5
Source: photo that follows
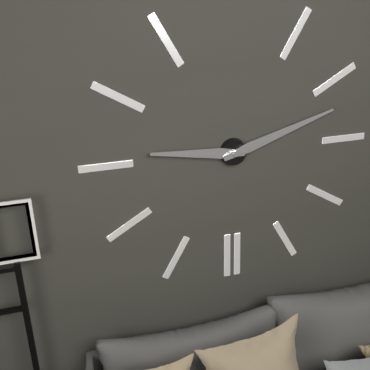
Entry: h=9 m=12
